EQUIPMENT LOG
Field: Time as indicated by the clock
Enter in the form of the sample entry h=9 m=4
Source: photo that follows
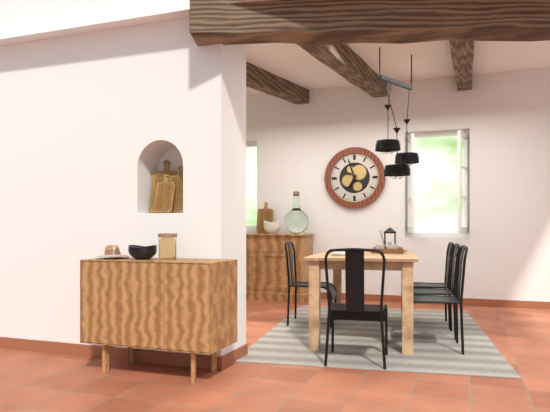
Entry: h=6 m=57
